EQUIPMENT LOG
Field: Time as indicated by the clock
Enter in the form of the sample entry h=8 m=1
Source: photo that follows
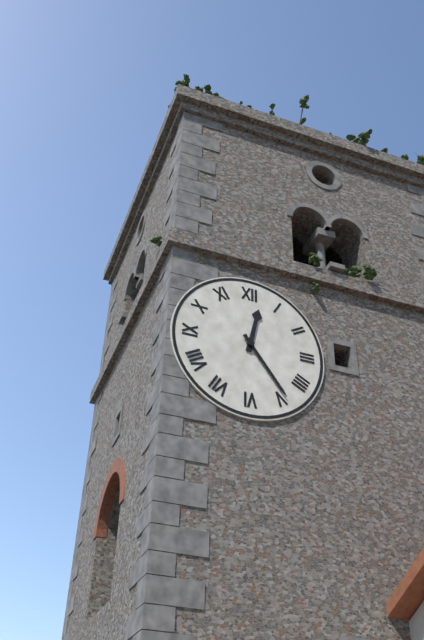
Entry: h=12 m=24
